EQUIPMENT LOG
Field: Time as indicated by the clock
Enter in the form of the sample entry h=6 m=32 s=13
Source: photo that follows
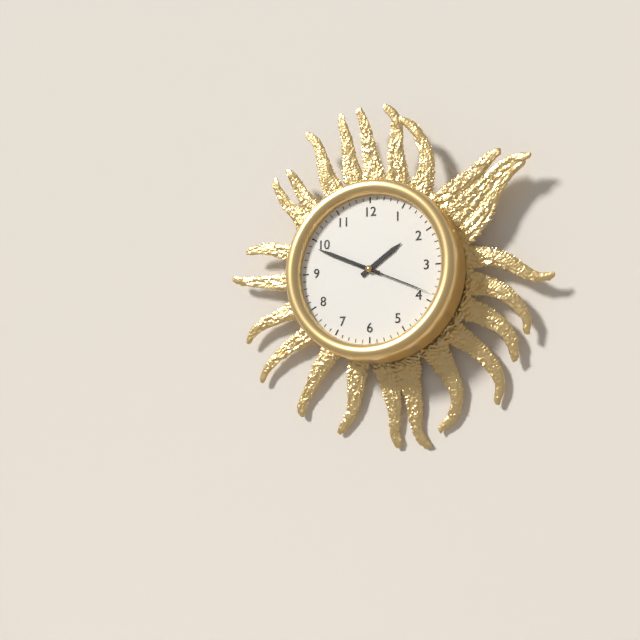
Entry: h=1 m=49 s=19
